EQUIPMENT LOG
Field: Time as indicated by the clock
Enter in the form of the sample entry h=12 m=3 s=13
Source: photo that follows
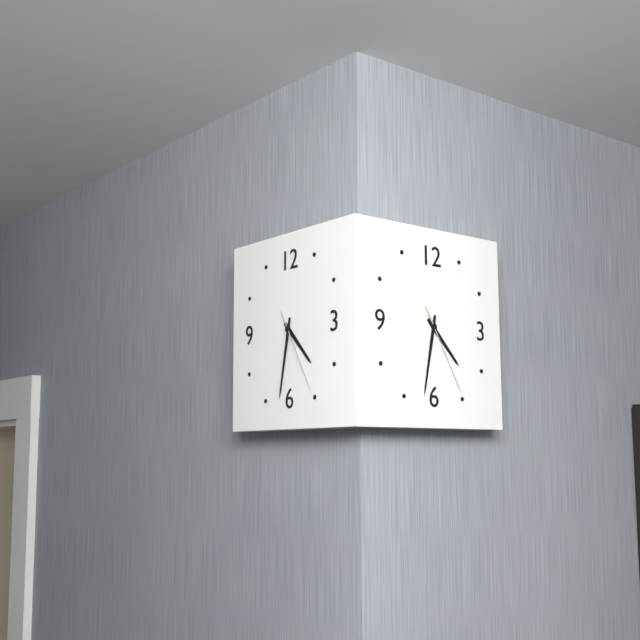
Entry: h=4 m=32 s=25
